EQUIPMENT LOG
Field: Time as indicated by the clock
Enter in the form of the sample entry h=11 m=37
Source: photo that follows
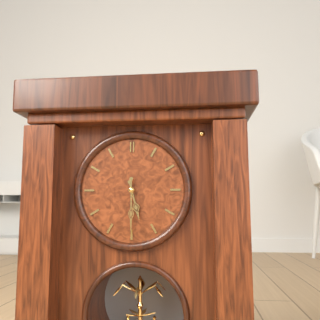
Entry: h=5 m=30
